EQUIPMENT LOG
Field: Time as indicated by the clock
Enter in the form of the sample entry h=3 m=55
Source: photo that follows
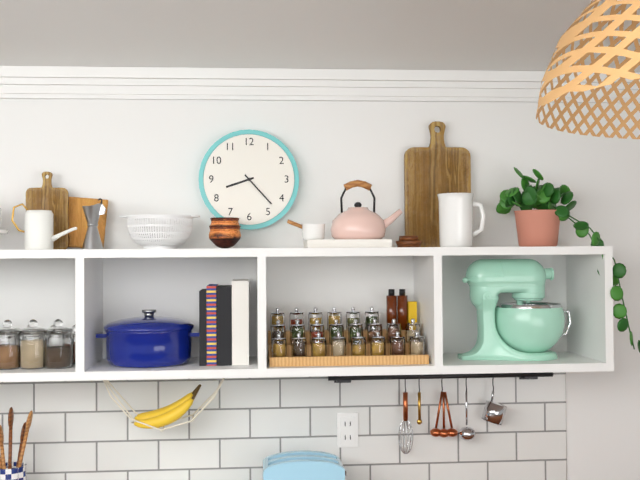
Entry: h=8 m=23
